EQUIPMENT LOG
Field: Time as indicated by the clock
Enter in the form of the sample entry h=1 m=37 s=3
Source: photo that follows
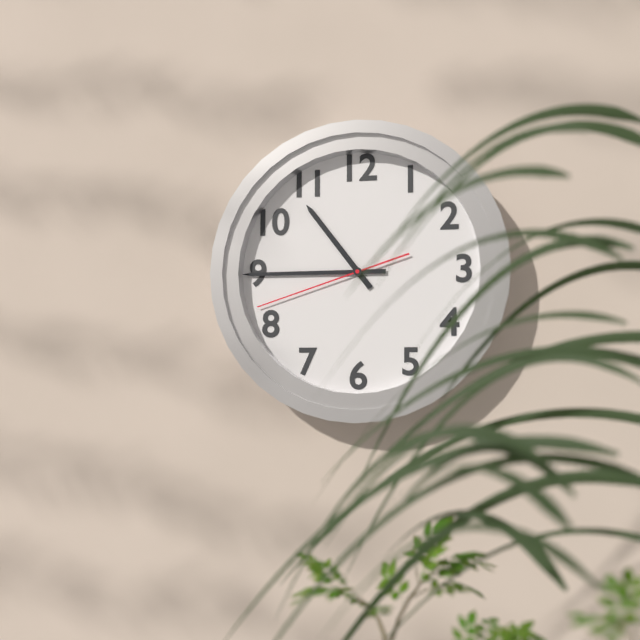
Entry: h=10 m=45 s=42
